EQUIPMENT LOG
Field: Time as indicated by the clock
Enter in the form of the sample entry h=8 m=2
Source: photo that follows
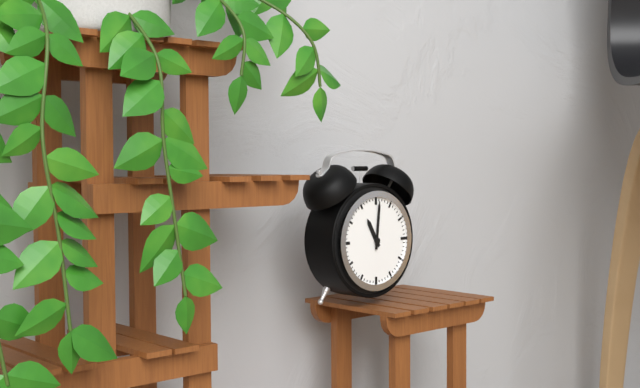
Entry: h=11 m=1
